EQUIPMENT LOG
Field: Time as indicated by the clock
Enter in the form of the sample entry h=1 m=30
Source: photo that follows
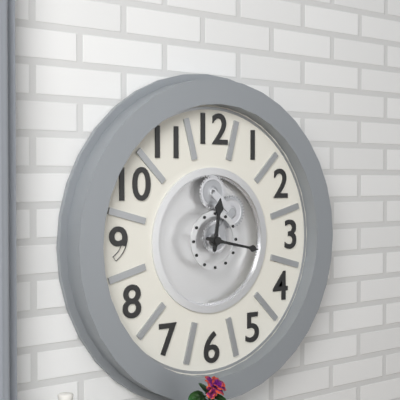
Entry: h=12 m=17
